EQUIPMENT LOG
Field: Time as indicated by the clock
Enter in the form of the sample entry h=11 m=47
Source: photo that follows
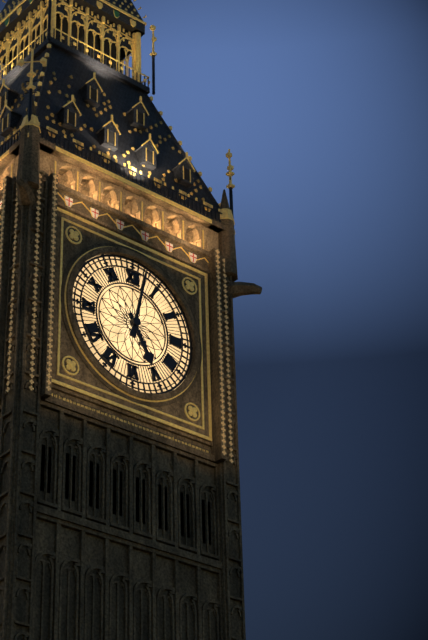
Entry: h=5 m=2
